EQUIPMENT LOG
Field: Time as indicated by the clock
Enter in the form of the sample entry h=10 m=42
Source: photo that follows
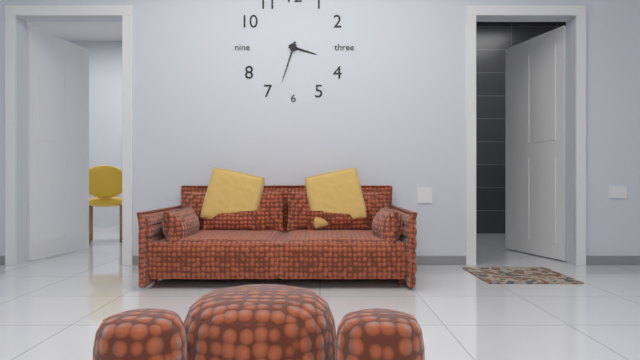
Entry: h=3 m=33
